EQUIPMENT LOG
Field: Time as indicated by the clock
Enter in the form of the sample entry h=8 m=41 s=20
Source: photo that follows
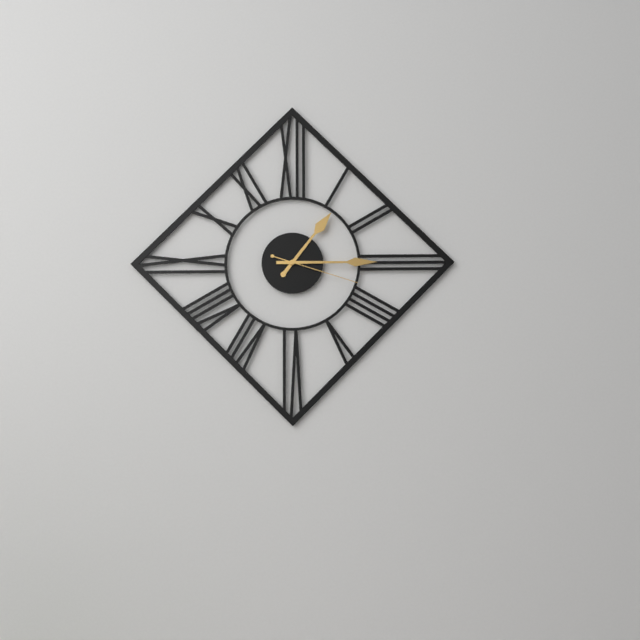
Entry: h=1 m=15 s=18
